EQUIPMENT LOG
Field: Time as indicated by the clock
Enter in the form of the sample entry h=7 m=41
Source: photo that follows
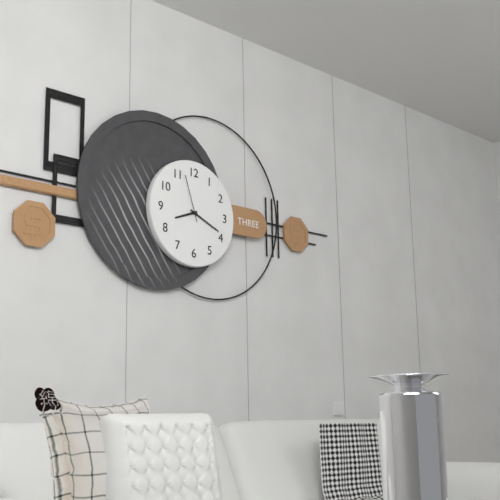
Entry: h=8 m=19
